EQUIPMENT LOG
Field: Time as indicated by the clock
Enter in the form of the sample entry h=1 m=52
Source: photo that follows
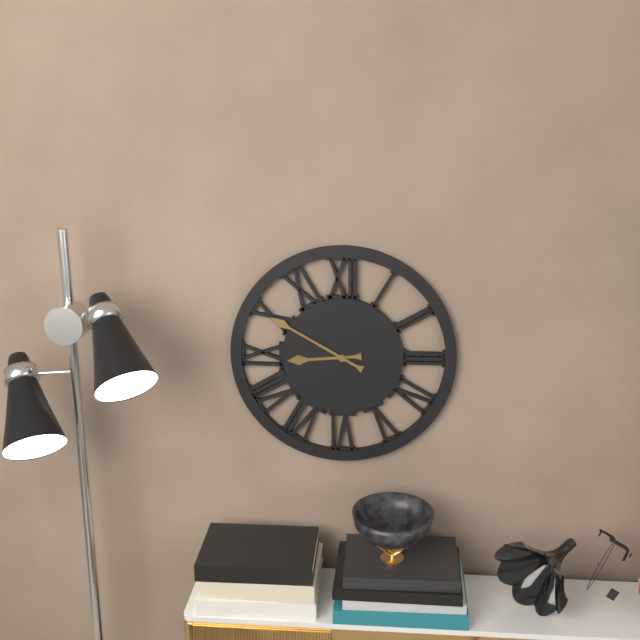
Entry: h=8 m=50
